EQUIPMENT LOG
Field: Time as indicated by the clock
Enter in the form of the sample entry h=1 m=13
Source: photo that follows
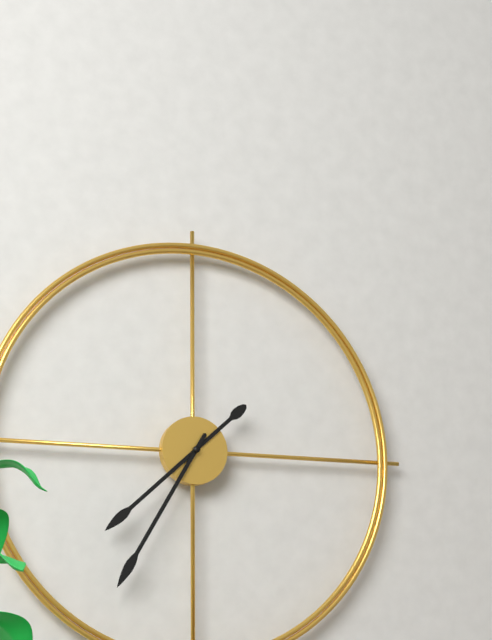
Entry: h=7 m=35
